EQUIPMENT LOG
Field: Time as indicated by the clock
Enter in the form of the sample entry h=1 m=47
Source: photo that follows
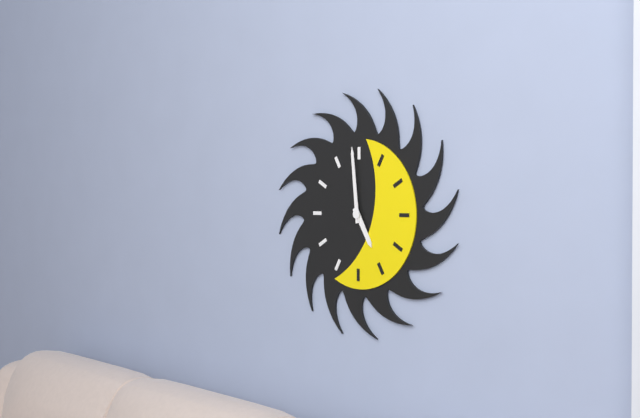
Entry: h=4 m=59
